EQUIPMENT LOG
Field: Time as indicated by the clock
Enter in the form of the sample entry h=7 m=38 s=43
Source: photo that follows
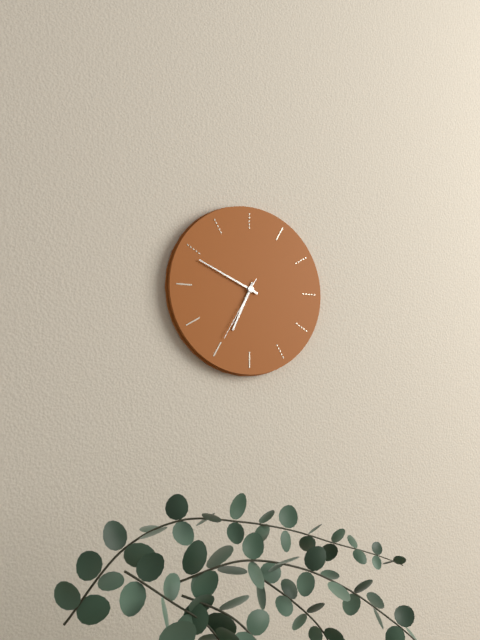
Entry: h=6 m=49 s=35
